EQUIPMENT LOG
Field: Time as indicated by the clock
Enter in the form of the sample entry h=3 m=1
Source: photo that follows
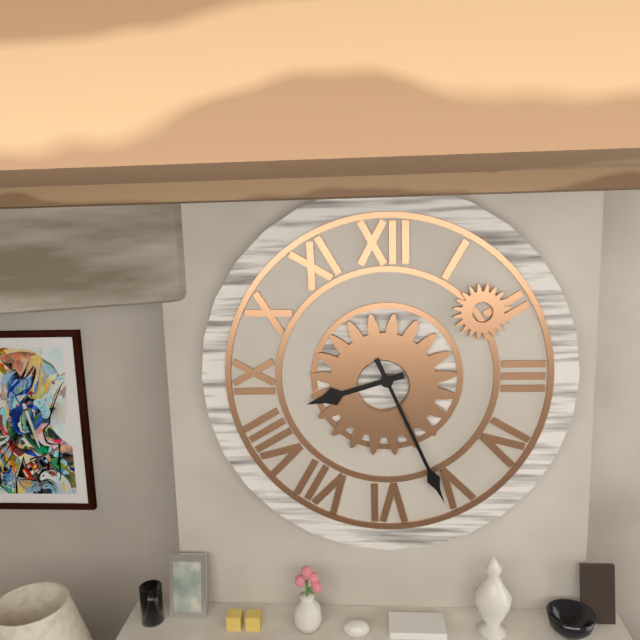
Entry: h=8 m=26
